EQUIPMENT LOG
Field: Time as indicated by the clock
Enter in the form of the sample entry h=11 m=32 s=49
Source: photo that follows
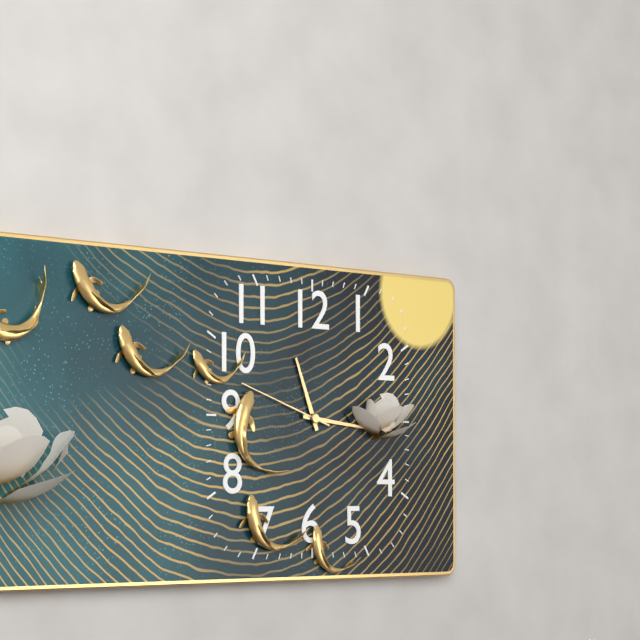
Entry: h=11 m=16 s=48
